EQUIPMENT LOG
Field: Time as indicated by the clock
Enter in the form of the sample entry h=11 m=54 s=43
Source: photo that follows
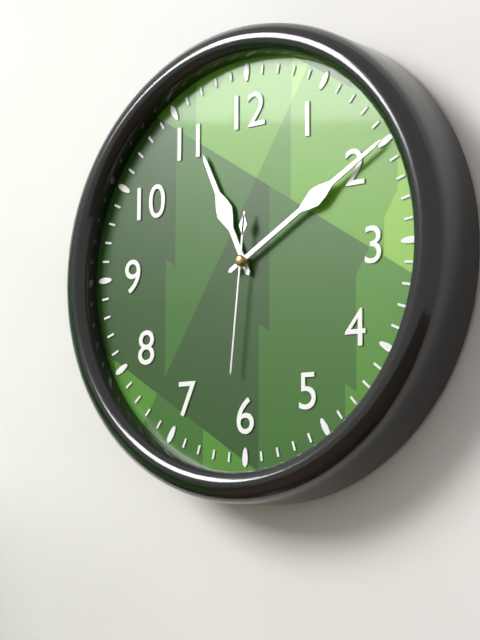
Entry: h=11 m=10 s=31
